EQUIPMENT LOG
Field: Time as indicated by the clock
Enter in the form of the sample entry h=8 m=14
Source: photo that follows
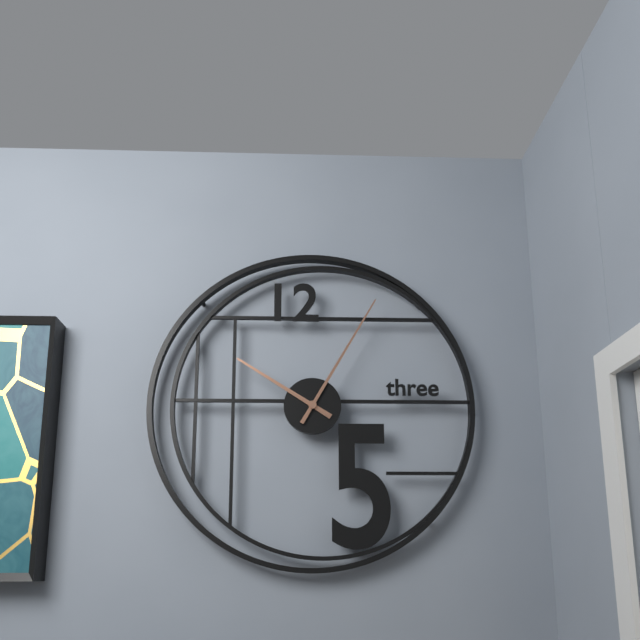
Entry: h=10 m=5
